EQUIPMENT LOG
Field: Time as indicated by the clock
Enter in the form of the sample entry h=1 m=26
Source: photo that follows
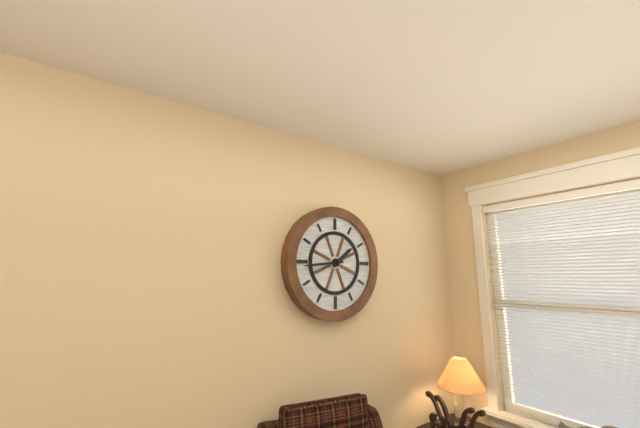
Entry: h=1 m=44
